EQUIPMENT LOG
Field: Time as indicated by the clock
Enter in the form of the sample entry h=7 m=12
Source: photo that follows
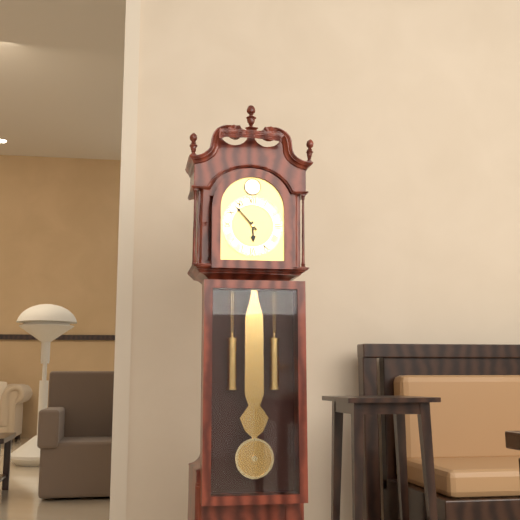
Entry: h=5 m=53
